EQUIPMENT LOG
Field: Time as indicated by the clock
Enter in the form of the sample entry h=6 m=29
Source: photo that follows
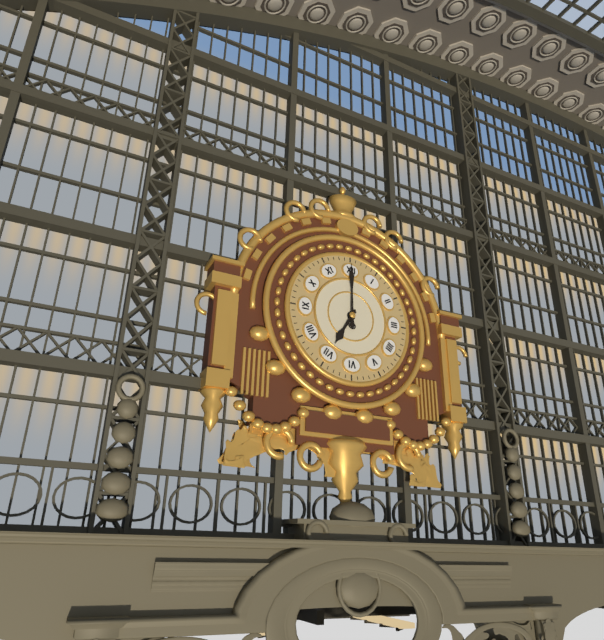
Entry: h=7 m=0
